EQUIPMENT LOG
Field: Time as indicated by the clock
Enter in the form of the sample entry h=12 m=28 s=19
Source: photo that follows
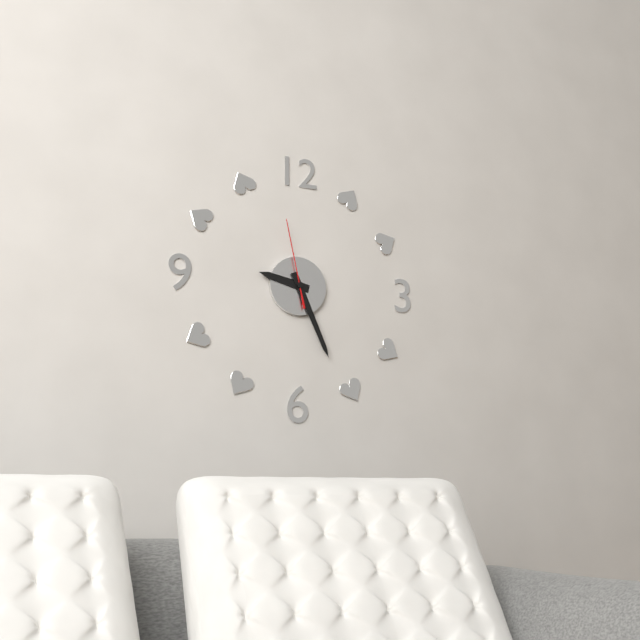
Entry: h=9 m=26 s=58
